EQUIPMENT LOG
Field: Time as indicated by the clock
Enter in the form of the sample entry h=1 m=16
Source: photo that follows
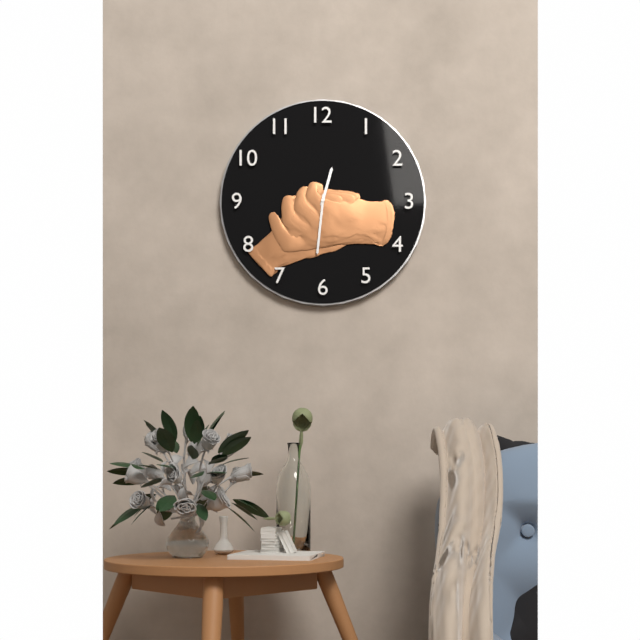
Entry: h=12 m=31
